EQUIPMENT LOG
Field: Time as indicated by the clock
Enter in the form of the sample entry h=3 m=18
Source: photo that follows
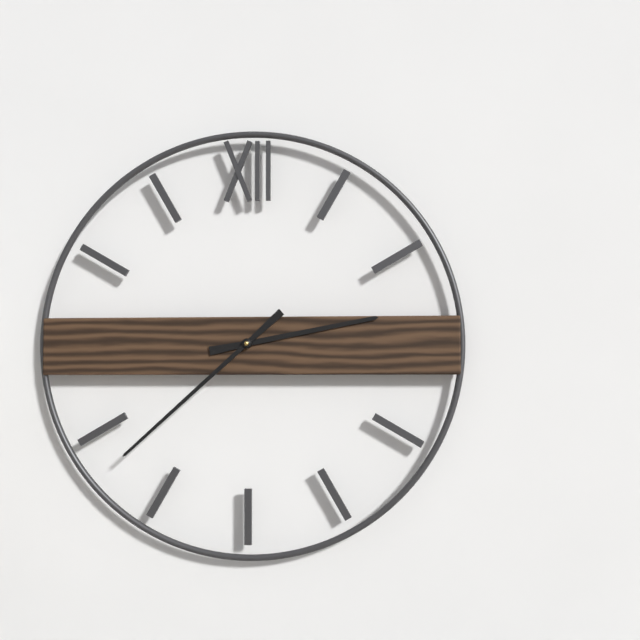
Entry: h=2 m=38
